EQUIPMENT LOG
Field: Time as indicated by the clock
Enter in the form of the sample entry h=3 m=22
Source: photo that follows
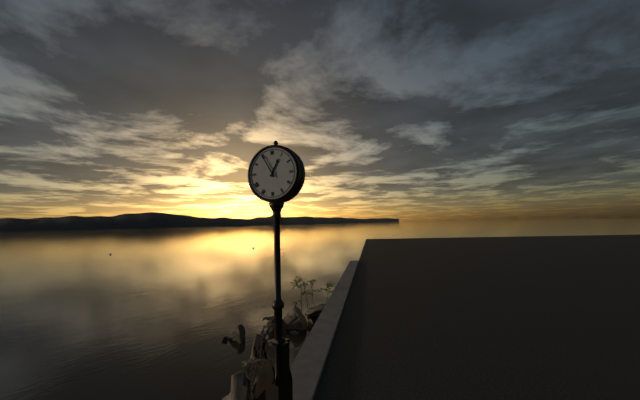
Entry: h=12 m=55
